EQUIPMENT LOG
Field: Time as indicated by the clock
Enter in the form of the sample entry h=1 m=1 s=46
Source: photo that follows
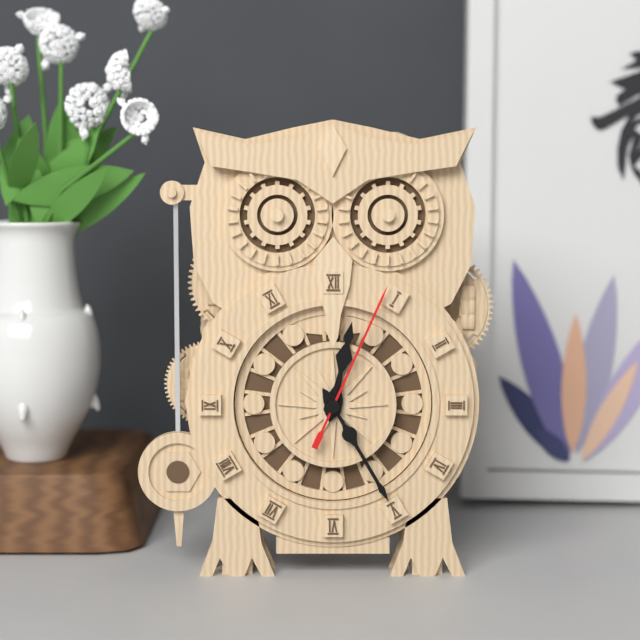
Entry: h=12 m=25 s=4
